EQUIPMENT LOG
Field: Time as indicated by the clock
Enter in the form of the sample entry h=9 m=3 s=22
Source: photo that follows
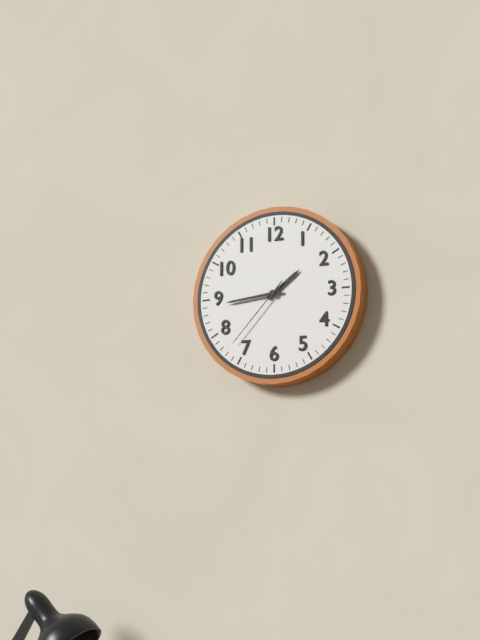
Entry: h=1 m=44 s=37
